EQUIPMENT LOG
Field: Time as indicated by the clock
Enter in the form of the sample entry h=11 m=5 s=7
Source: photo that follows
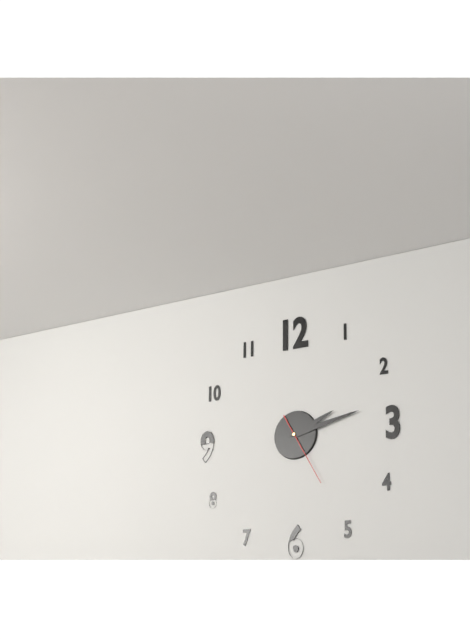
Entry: h=2 m=13 s=25
